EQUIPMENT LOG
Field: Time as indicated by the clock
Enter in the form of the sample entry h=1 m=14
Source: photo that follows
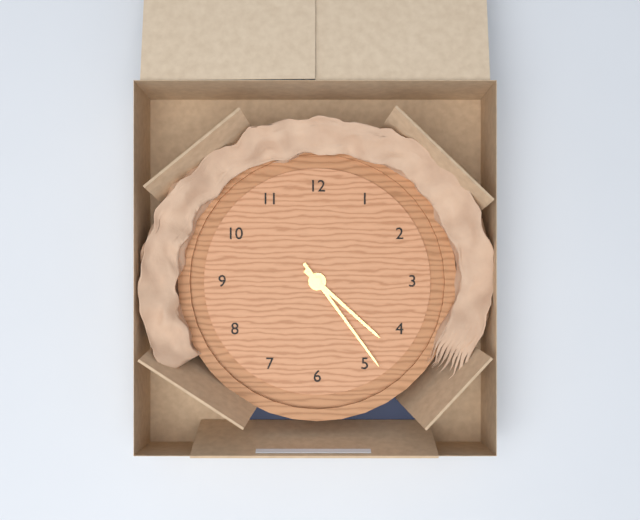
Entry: h=4 m=24
